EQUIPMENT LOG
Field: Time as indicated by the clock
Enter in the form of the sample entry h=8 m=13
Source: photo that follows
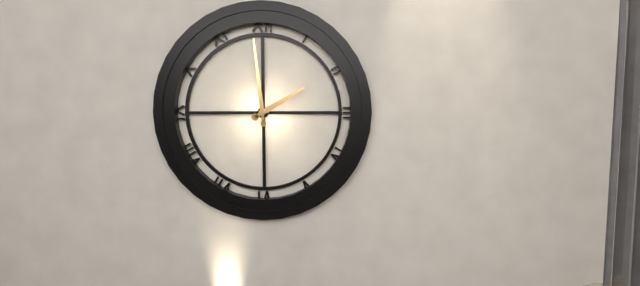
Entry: h=1 m=59
